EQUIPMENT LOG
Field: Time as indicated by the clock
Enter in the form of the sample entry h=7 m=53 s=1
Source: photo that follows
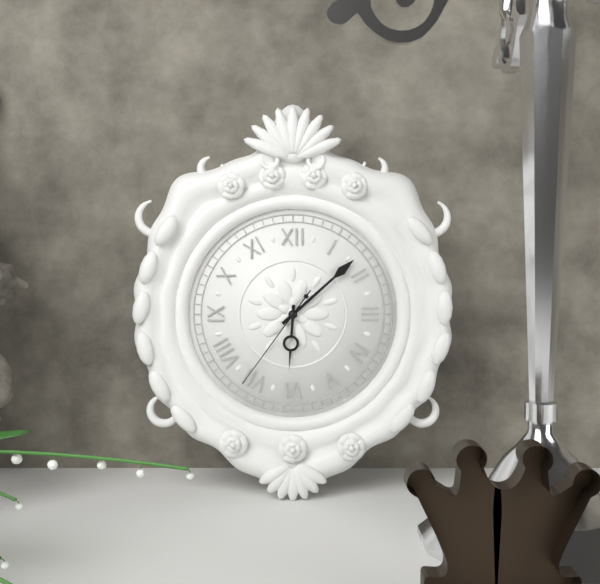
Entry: h=6 m=8 s=36
